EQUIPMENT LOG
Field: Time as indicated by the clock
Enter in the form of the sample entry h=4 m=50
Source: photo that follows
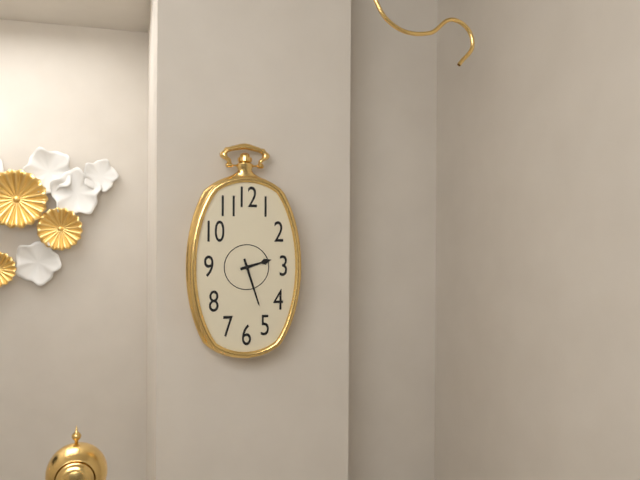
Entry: h=2 m=27
